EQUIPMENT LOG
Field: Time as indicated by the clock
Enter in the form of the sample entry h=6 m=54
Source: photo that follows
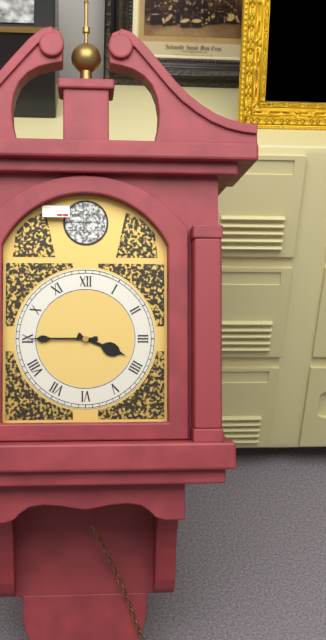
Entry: h=3 m=45
